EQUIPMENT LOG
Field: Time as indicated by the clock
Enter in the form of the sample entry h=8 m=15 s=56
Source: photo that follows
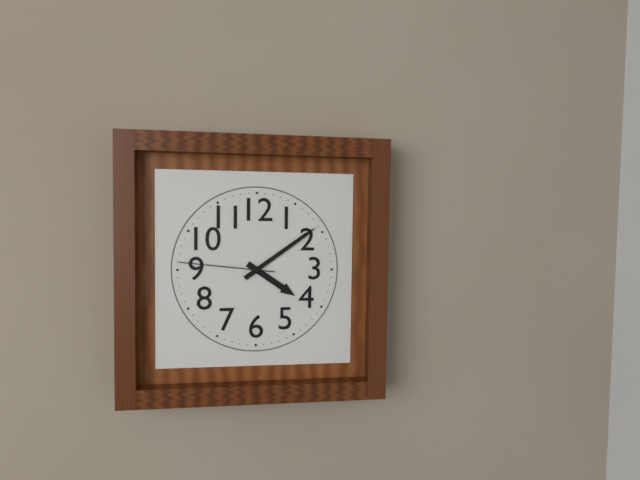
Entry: h=4 m=9 s=46
